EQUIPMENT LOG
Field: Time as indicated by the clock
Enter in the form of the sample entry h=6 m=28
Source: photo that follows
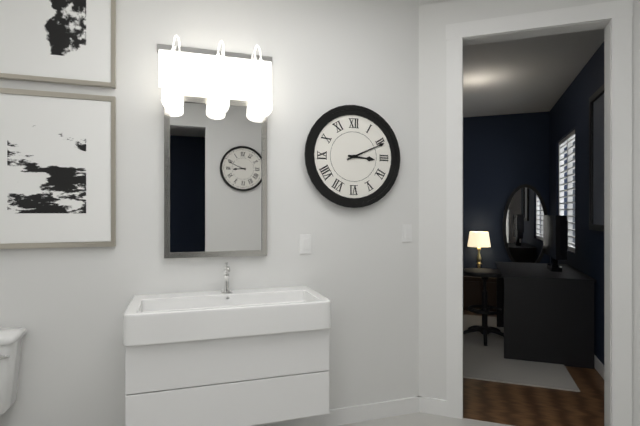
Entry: h=3 m=11
